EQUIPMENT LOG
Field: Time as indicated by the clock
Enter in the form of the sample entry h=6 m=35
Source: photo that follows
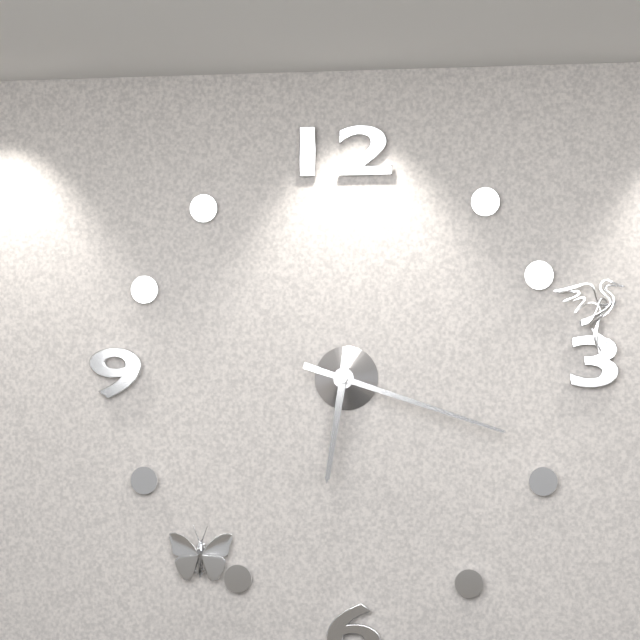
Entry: h=6 m=18
